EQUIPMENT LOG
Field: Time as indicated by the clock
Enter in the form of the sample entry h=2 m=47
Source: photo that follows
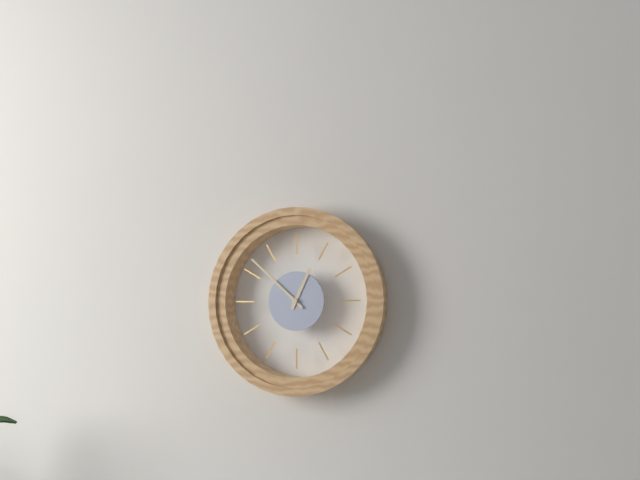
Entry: h=12 m=52
